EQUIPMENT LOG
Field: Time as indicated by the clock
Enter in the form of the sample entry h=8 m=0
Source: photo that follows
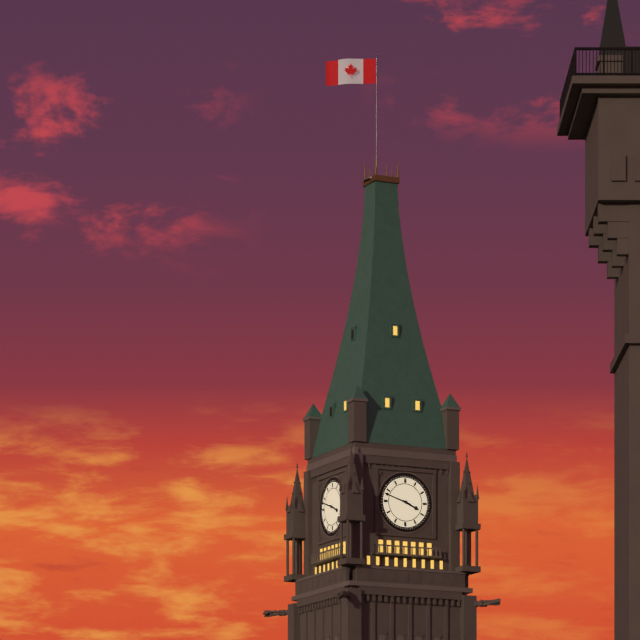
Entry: h=3 m=48
